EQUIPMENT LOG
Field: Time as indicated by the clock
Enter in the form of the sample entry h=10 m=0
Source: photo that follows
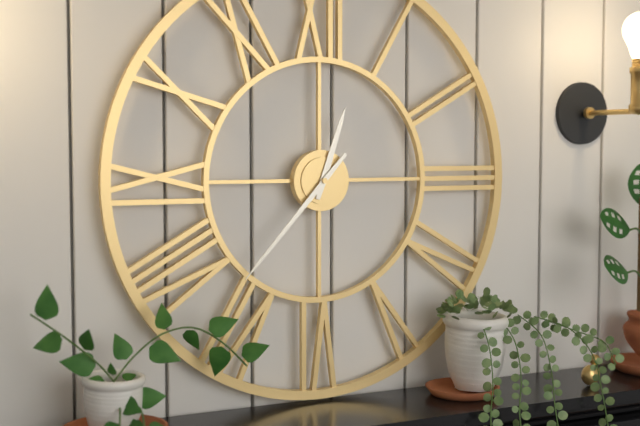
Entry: h=12 m=37
